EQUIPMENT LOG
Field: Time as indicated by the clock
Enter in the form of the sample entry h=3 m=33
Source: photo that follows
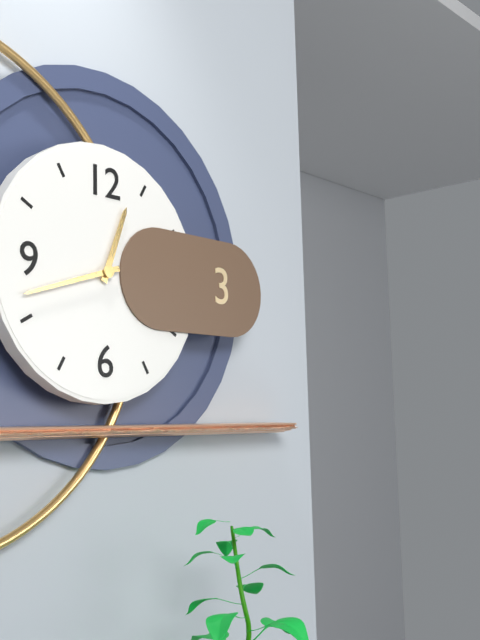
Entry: h=12 m=42
